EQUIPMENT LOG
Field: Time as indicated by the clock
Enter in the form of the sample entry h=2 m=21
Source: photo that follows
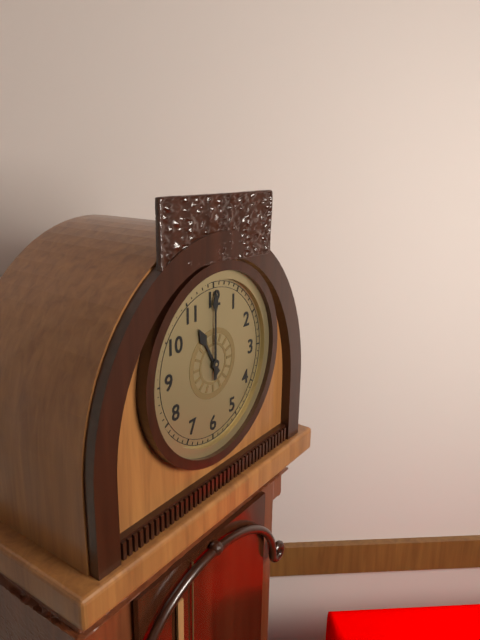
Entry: h=11 m=0
